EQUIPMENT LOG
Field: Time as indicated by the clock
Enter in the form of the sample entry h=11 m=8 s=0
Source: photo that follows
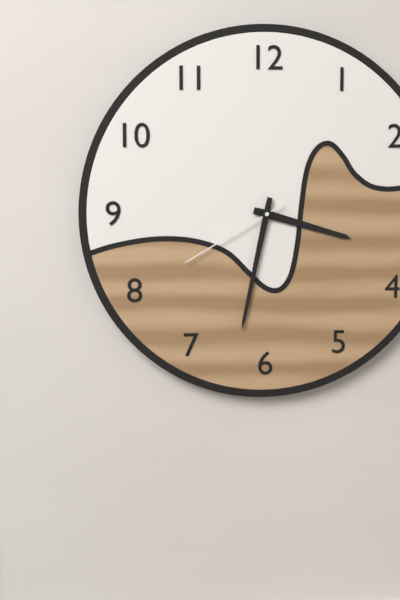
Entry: h=3 m=32 s=40
